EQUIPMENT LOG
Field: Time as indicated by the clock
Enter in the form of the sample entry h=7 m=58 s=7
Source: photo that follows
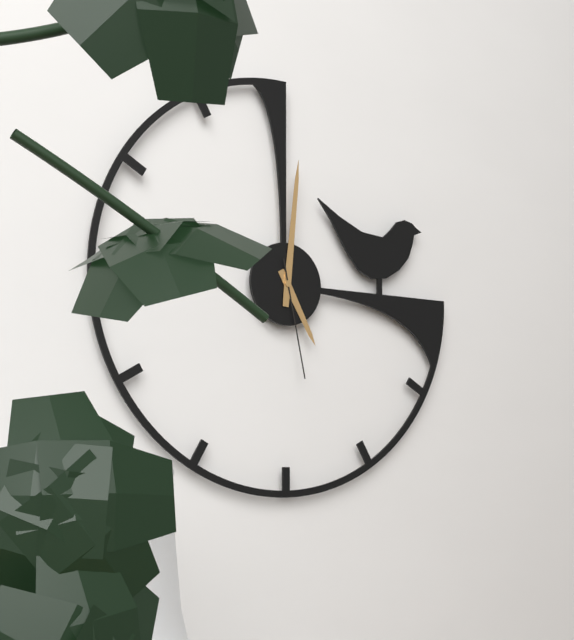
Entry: h=5 m=1 s=28
